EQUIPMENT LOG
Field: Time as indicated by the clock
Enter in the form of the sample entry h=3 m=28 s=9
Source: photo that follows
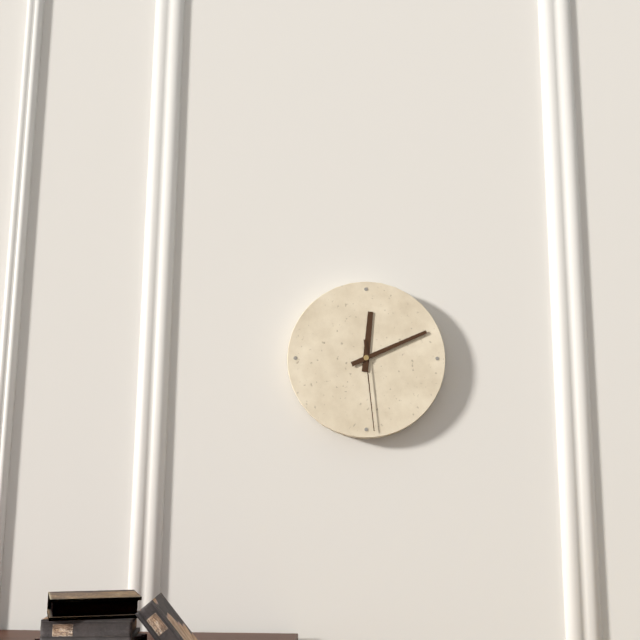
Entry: h=12 m=11 s=29
